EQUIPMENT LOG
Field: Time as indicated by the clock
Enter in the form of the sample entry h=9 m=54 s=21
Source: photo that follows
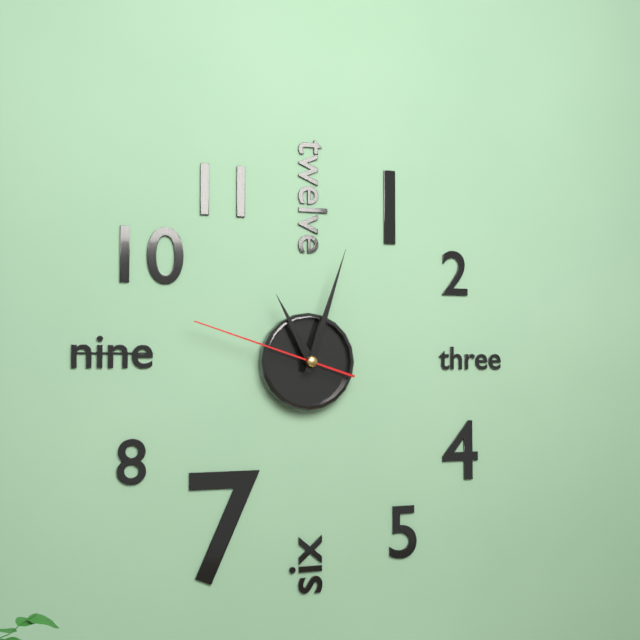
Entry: h=11 m=3 s=48
